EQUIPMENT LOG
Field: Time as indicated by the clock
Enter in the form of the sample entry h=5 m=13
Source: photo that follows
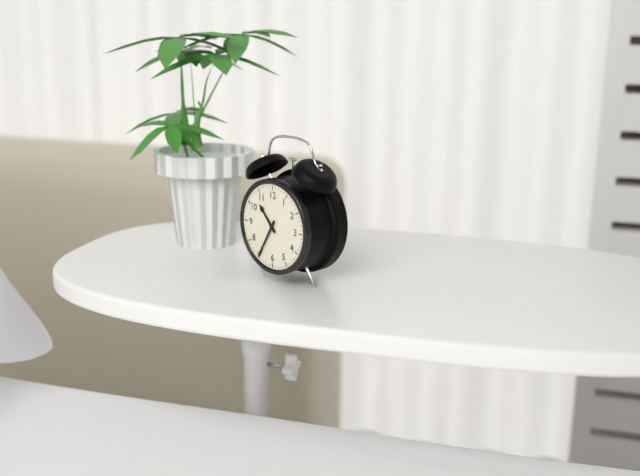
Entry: h=10 m=35
